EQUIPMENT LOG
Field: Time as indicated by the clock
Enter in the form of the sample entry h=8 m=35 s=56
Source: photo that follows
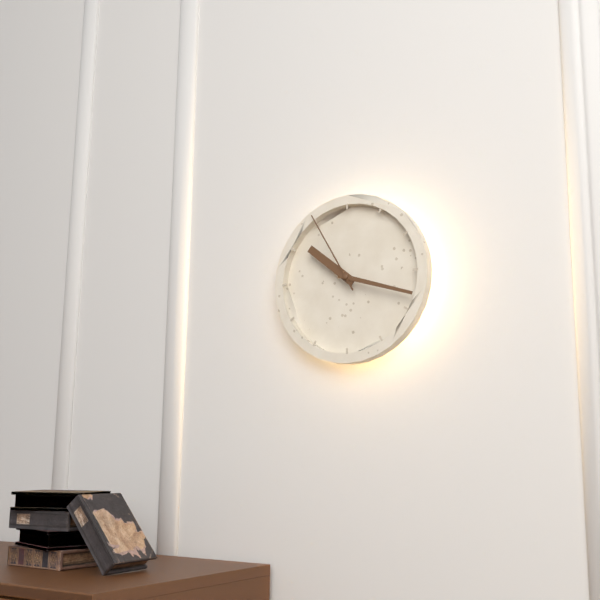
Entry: h=10 m=18 s=55
